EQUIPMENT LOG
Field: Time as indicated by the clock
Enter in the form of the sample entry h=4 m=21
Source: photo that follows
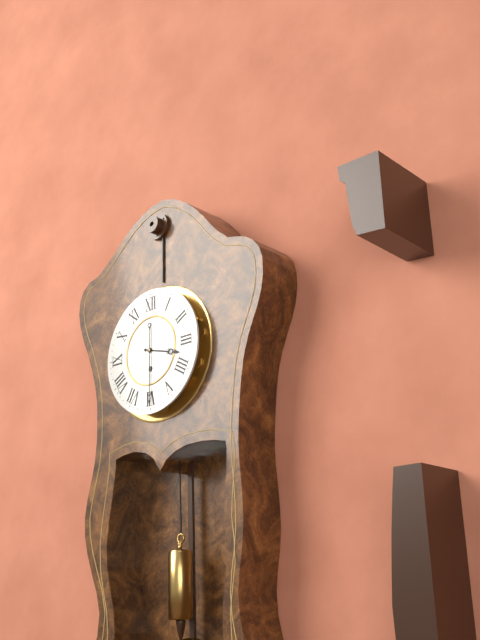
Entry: h=3 m=30
